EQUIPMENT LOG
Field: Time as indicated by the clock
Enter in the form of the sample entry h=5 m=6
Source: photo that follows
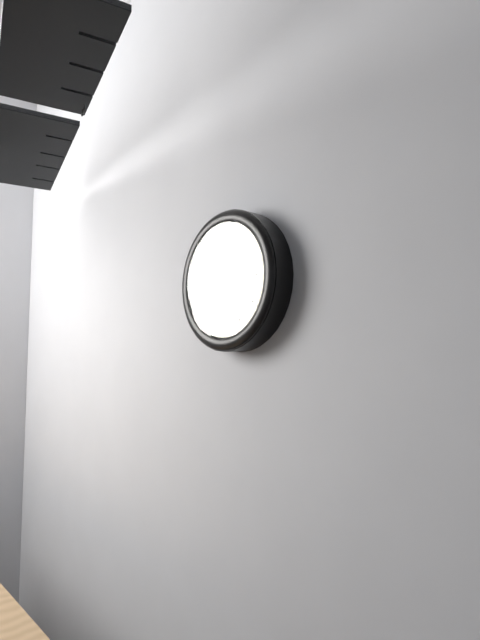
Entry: h=4 m=48
